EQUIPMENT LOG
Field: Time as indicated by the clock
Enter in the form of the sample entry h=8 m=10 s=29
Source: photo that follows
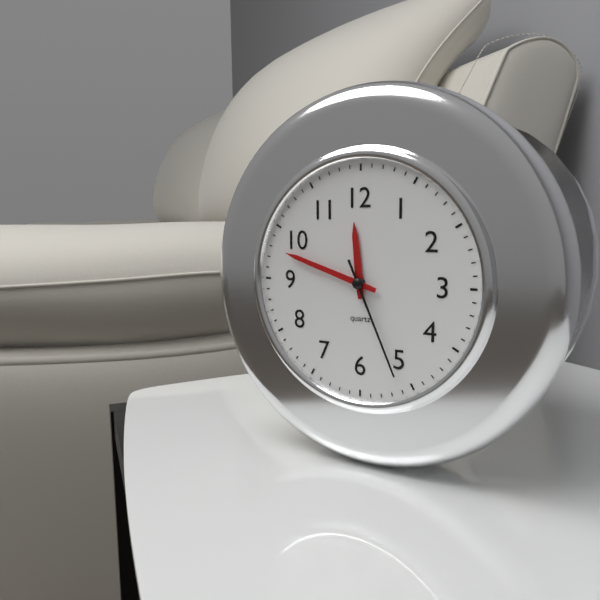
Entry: h=11 m=48 s=26
